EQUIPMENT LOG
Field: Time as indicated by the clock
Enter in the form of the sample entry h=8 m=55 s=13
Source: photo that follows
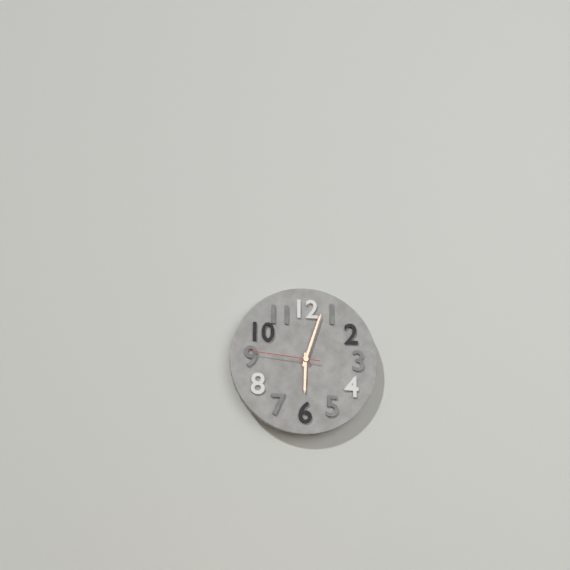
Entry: h=6 m=3 s=46
